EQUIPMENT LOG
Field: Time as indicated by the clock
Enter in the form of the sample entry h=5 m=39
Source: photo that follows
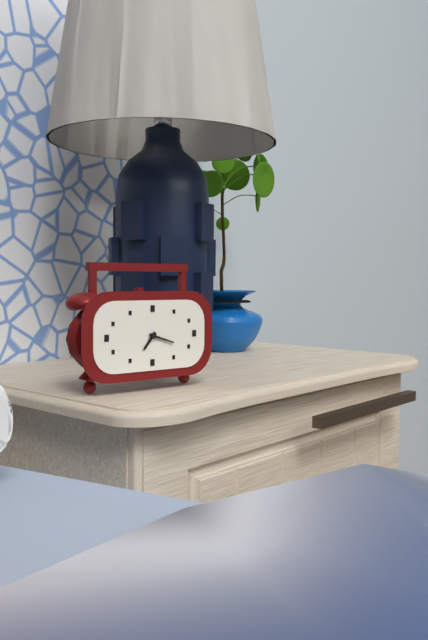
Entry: h=7 m=18
